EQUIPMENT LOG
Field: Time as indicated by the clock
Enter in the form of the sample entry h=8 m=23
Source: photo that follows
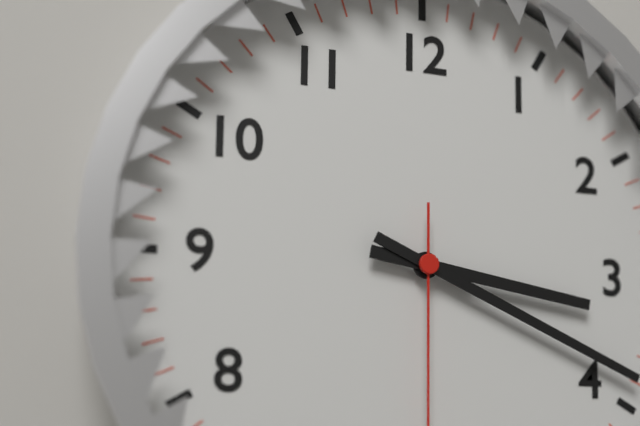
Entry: h=3 m=19
